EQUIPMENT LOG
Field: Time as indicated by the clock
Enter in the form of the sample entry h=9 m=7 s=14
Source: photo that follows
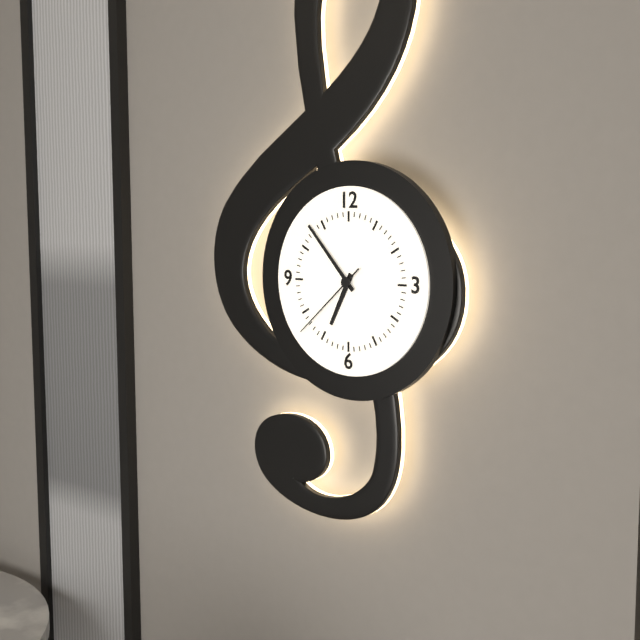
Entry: h=6 m=53 s=38
